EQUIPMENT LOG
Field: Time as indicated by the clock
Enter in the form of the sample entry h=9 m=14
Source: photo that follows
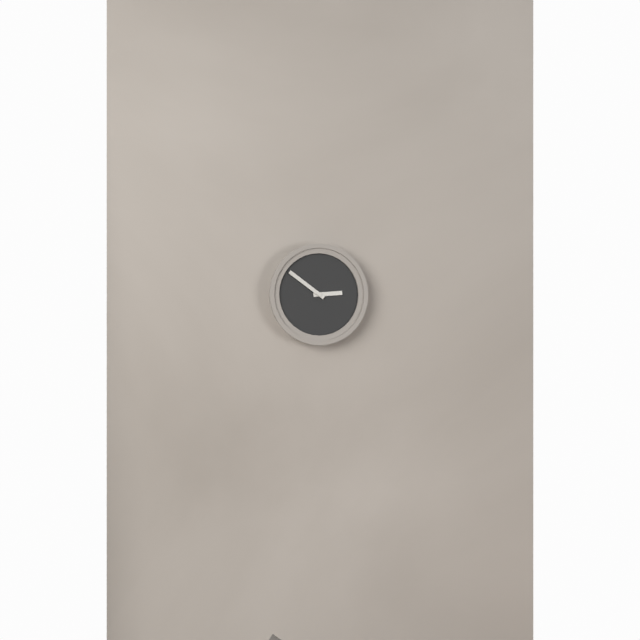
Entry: h=2 m=51
